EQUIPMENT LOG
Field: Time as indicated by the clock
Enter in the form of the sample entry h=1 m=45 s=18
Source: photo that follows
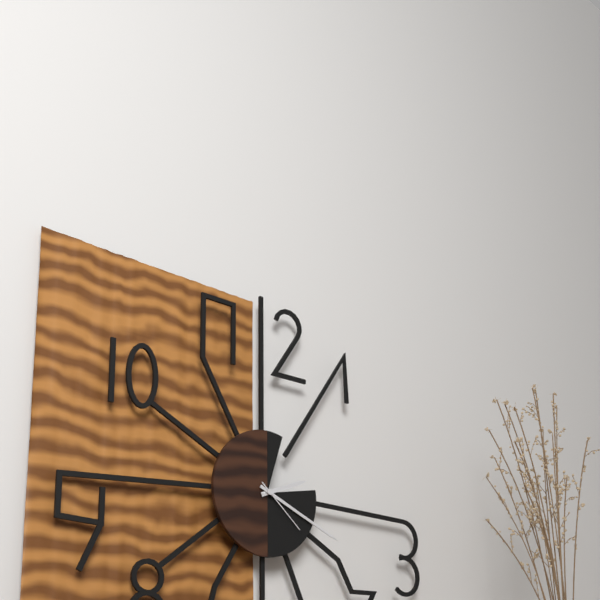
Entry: h=2 m=19 s=22
